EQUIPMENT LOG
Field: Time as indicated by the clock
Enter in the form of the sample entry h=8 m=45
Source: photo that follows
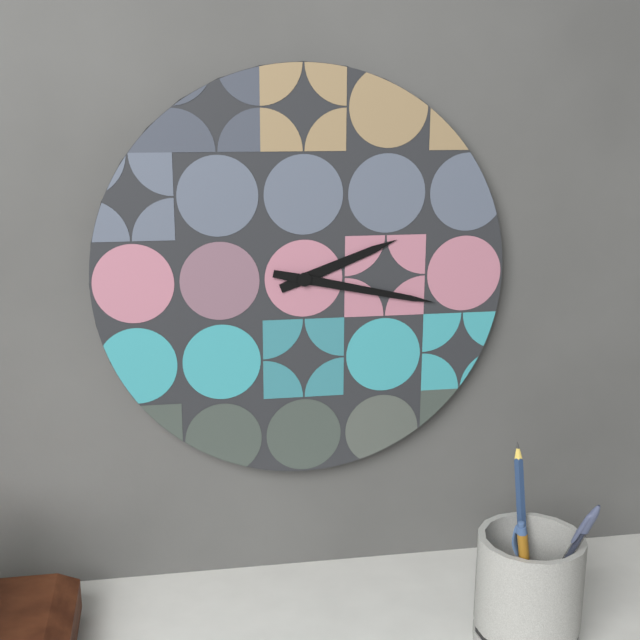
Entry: h=2 m=17
